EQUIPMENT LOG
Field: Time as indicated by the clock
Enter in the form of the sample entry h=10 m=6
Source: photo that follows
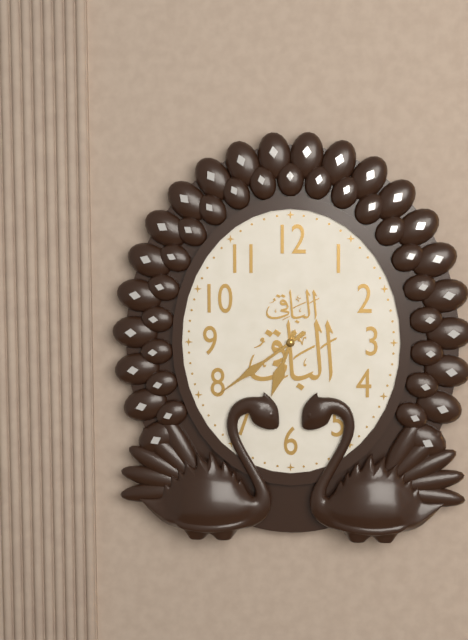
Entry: h=6 m=39
